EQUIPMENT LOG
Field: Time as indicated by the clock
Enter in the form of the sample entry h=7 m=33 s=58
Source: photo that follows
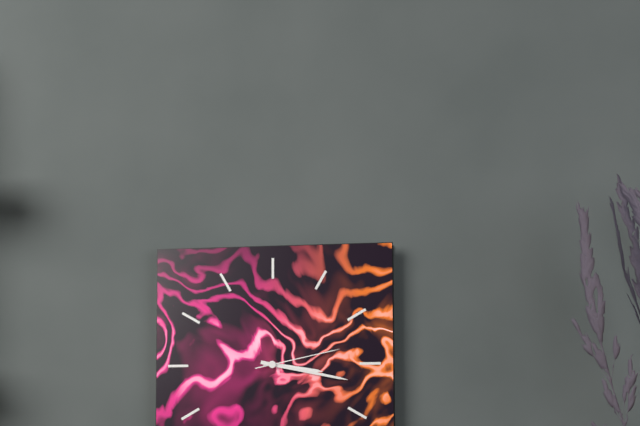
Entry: h=3 m=17 s=13
